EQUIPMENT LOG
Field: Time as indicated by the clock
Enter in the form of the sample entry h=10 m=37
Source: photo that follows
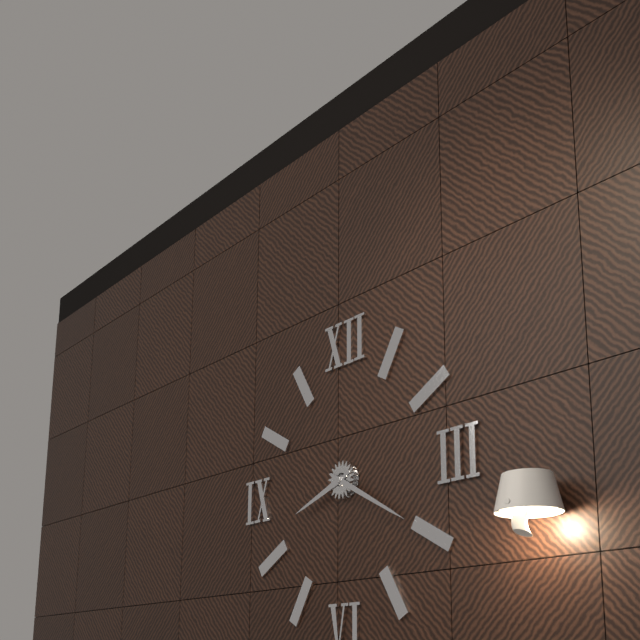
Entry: h=8 m=20
